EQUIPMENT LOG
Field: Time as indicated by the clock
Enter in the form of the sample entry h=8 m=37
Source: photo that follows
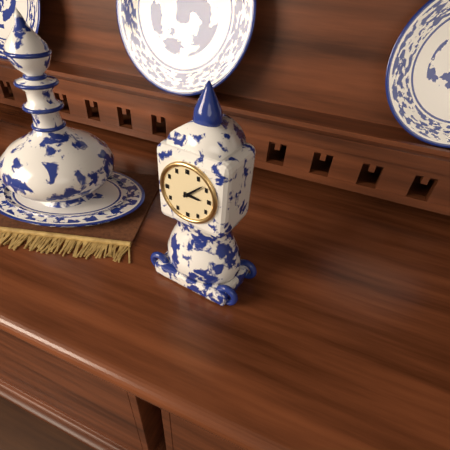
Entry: h=3 m=8
